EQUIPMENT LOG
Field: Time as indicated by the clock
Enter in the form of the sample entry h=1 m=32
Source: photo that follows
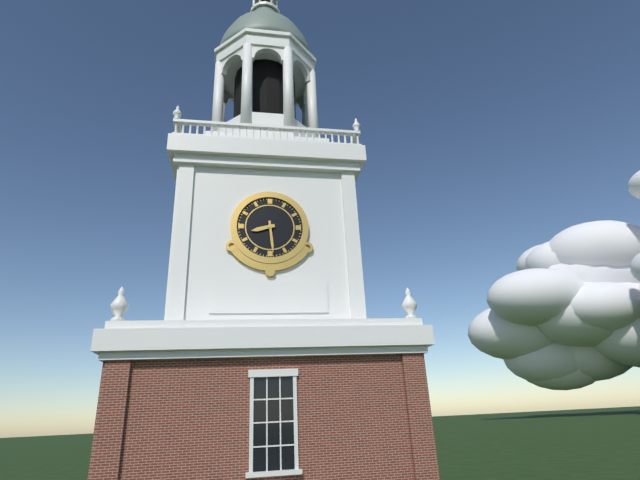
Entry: h=8 m=29
